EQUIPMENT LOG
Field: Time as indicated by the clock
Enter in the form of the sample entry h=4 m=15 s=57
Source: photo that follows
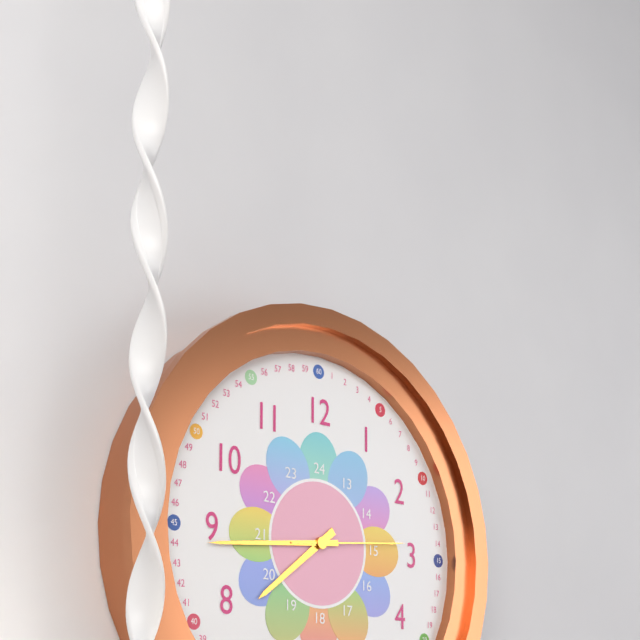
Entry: h=7 m=44 s=14
